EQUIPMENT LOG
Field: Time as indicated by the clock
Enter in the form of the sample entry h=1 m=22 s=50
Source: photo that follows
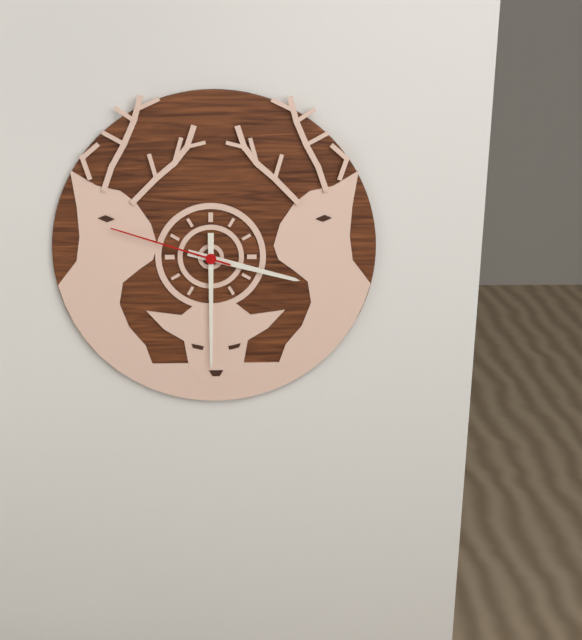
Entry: h=3 m=30 s=48
